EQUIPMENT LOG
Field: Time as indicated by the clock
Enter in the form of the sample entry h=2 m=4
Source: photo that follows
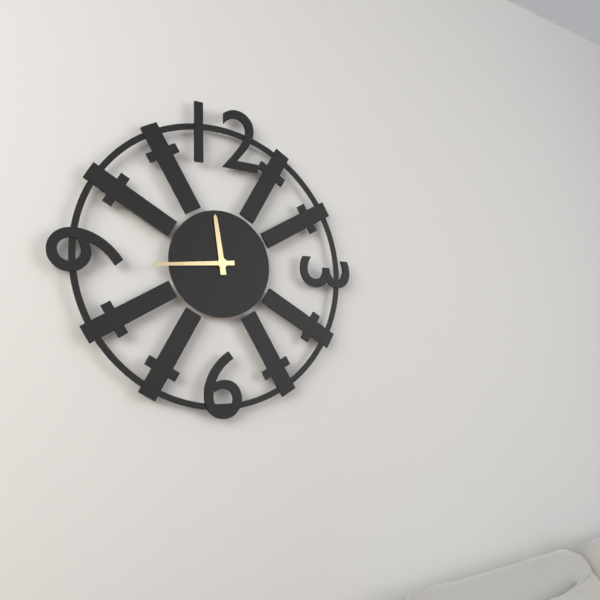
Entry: h=11 m=44
